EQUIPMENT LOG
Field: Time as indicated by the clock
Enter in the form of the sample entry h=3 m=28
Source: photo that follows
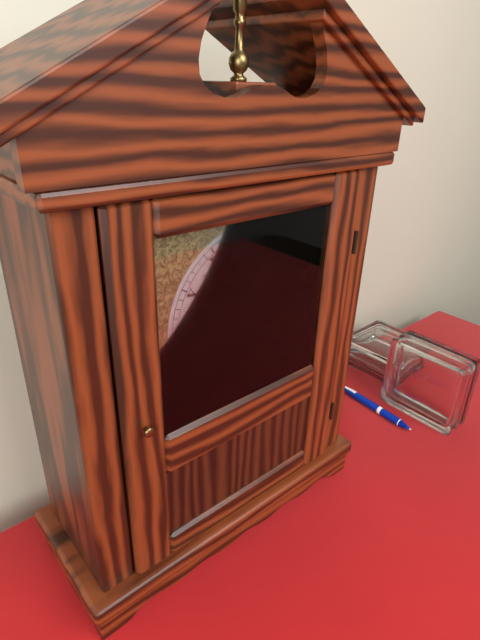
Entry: h=11 m=28
